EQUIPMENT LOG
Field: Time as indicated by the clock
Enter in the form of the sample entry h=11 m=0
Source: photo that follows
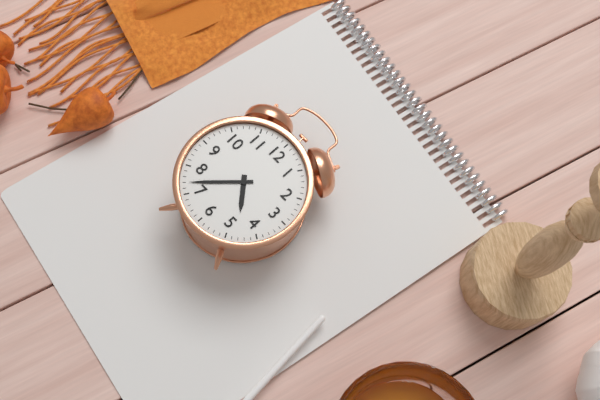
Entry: h=4 m=37
